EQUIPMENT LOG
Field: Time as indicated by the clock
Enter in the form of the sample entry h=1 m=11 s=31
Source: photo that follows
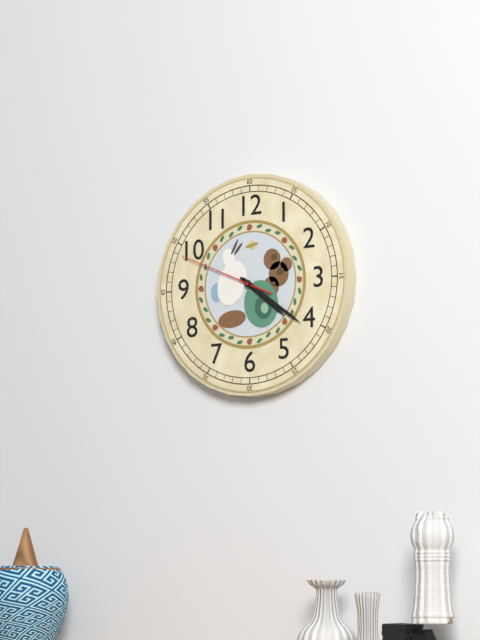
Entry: h=4 m=21 s=49
